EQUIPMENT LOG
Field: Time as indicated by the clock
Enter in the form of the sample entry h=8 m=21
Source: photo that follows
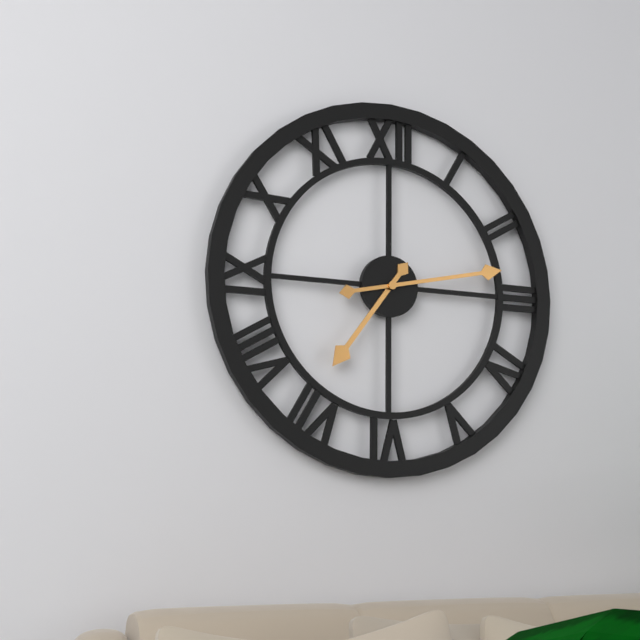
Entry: h=7 m=13
